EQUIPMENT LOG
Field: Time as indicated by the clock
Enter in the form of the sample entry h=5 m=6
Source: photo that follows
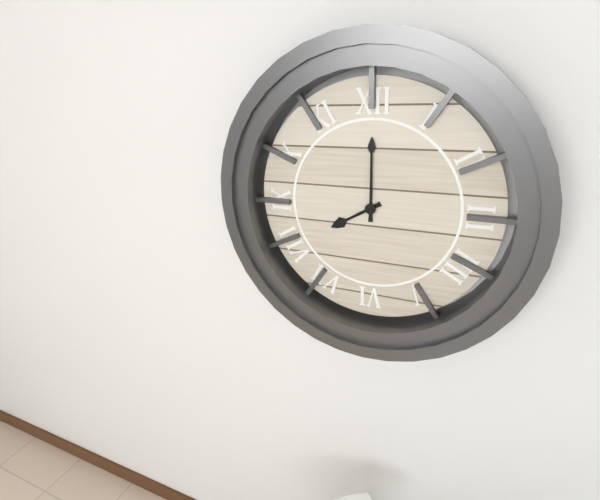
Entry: h=8 m=0
